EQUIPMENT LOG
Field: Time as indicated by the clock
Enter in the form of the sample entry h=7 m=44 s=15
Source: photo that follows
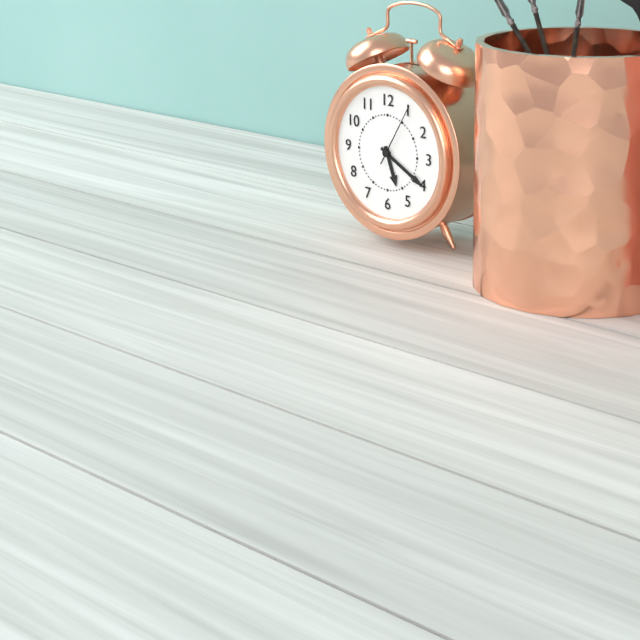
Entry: h=5 m=20 s=5
